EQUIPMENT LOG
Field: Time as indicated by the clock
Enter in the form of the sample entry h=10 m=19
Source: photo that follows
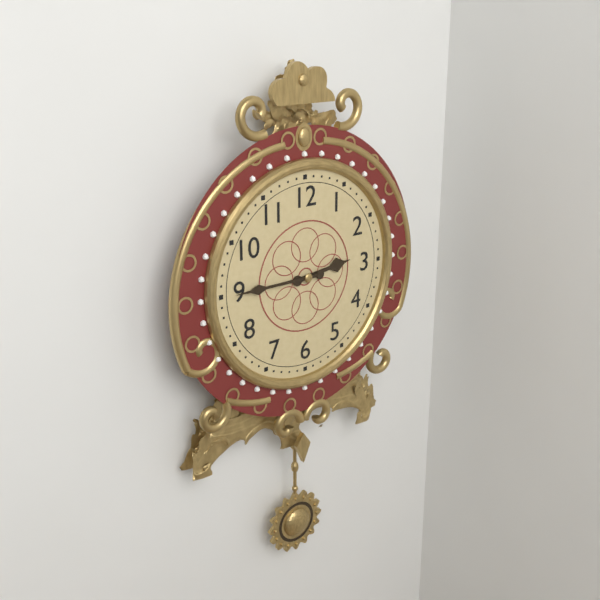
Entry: h=2 m=45
